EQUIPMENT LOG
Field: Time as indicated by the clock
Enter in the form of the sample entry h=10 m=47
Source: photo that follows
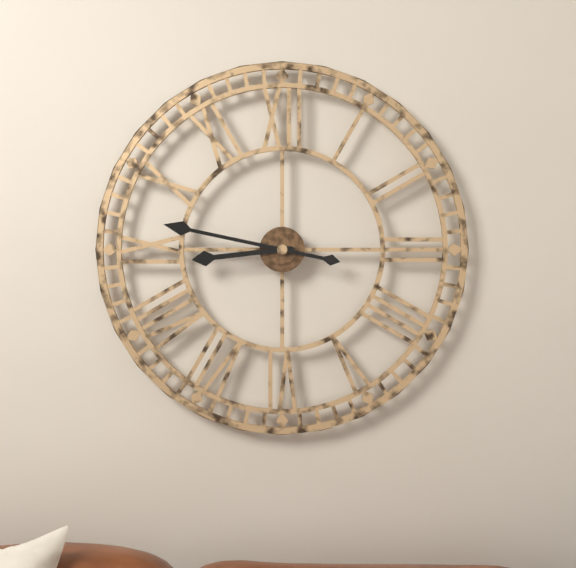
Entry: h=8 m=47
